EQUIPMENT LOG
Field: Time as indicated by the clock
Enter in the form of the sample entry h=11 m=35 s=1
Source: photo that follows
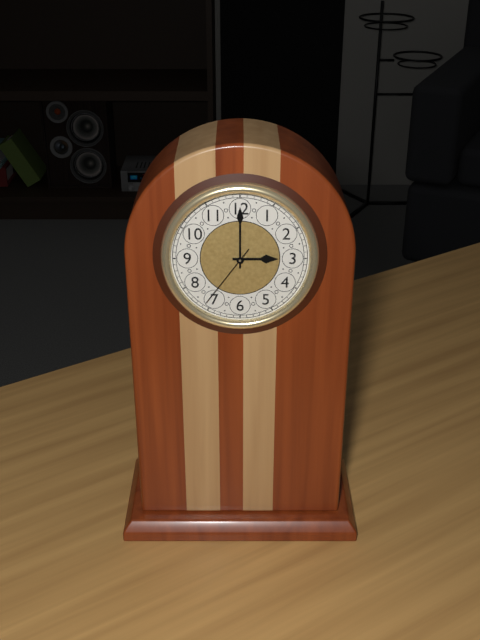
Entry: h=3 m=0 s=36
